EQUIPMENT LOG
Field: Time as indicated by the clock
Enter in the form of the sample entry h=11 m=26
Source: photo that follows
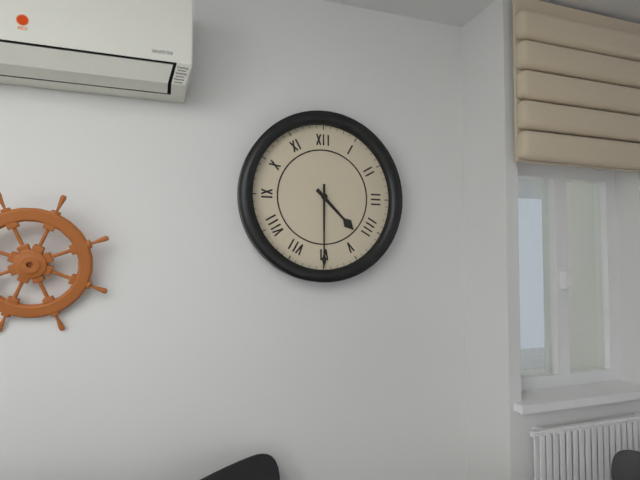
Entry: h=4 m=30
